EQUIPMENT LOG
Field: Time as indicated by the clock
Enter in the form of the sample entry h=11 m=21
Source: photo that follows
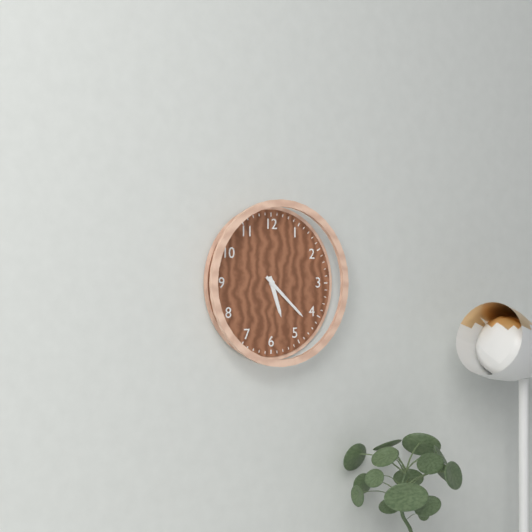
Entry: h=5 m=22
